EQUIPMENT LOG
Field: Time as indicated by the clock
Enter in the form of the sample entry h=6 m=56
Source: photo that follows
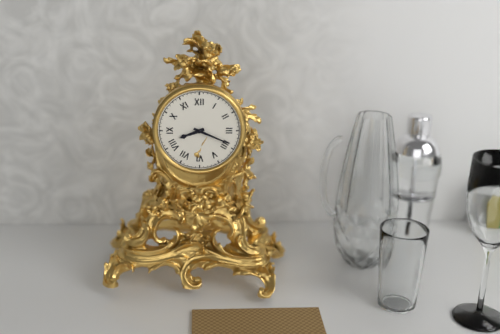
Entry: h=8 m=19
